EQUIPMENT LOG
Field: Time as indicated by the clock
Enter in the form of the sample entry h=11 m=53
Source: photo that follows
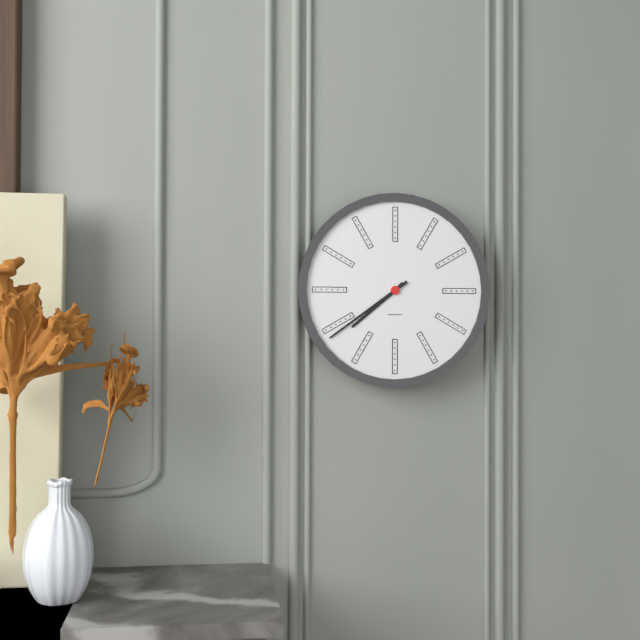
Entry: h=7 m=39
